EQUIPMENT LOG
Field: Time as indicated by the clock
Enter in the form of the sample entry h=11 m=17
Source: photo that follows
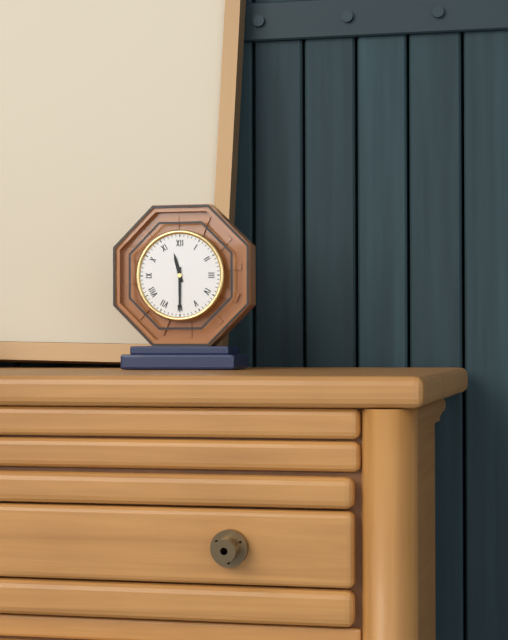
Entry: h=11 m=30
